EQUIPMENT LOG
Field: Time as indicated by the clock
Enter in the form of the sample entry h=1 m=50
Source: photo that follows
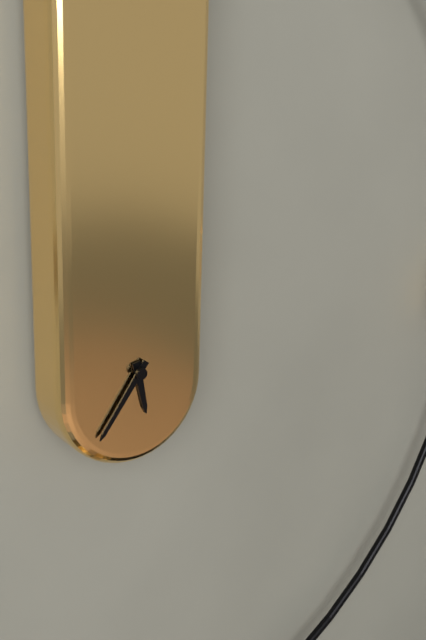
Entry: h=5 m=36
